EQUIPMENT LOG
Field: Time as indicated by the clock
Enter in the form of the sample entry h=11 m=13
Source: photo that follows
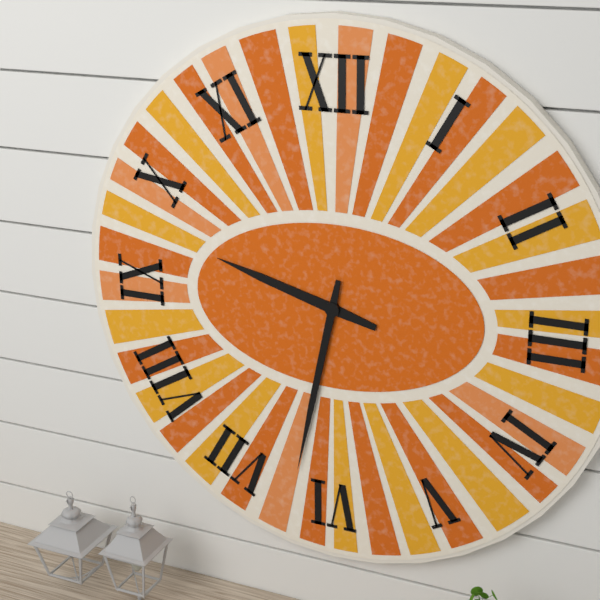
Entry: h=9 m=32
